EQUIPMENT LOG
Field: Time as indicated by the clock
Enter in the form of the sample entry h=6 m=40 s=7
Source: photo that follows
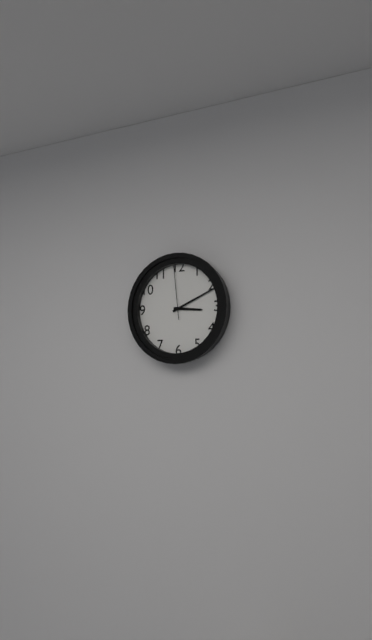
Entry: h=3 m=11 s=59
